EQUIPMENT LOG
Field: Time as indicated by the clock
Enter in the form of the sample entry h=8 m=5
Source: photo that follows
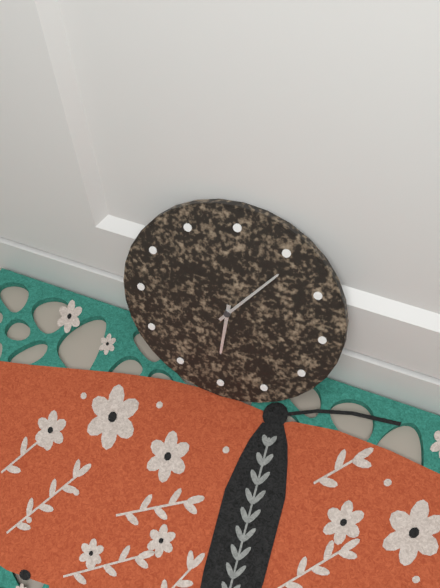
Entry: h=6 m=6
